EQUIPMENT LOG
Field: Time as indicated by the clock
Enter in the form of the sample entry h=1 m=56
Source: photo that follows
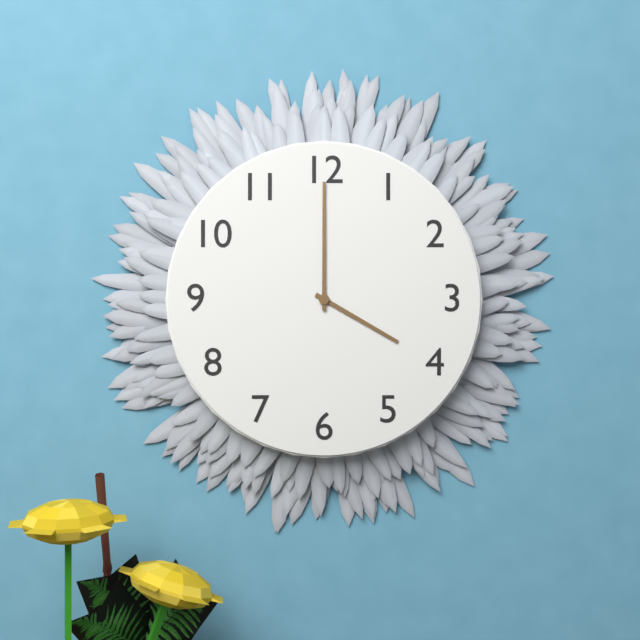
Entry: h=4 m=0
